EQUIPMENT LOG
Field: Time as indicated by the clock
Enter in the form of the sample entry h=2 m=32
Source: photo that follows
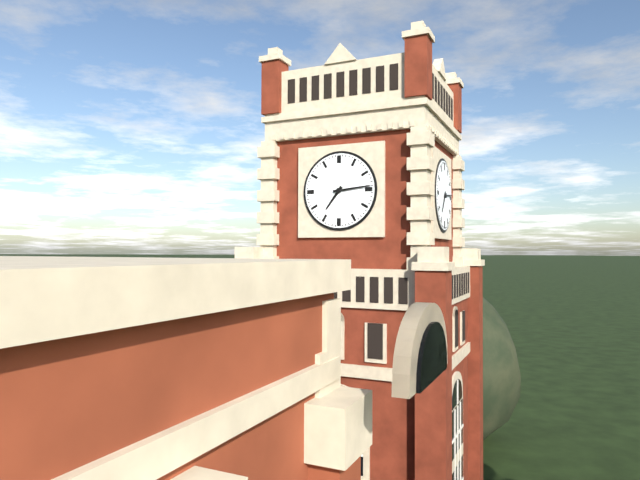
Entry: h=7 m=14
